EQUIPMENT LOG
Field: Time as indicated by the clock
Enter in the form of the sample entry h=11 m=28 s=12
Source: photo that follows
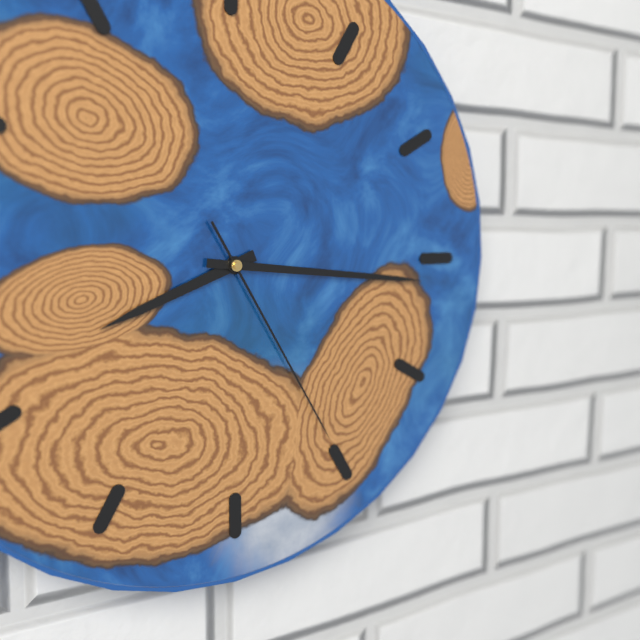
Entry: h=8 m=16 s=25
